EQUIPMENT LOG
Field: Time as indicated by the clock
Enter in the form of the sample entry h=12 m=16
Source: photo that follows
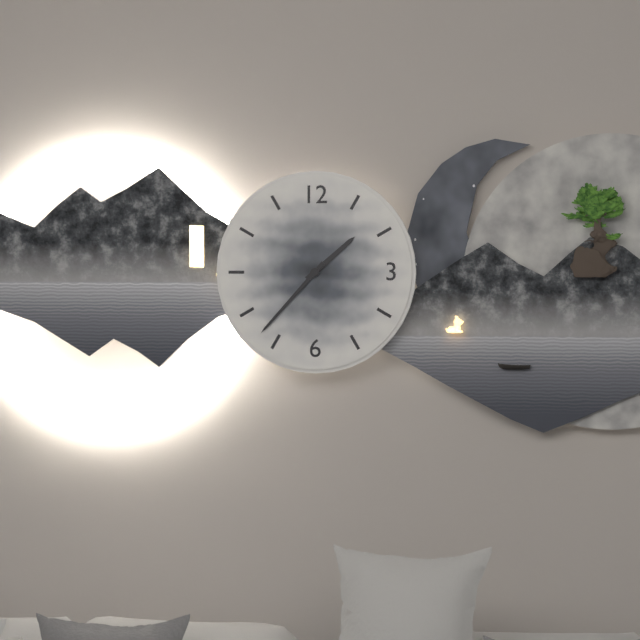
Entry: h=1 m=37
